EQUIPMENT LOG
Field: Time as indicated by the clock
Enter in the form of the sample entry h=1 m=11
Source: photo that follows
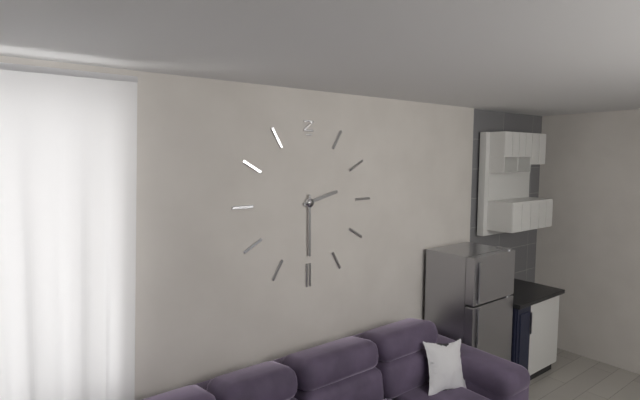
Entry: h=2 m=30
